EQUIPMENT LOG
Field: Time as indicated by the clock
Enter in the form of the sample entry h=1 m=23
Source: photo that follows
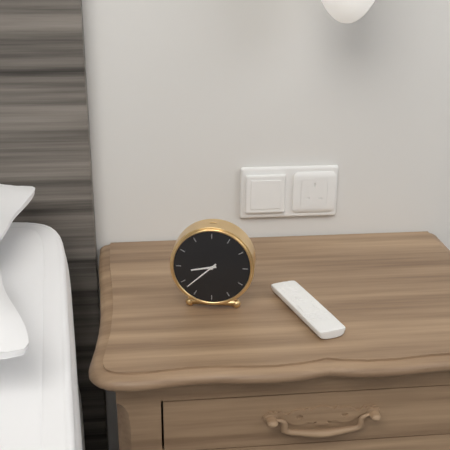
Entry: h=8 m=38
